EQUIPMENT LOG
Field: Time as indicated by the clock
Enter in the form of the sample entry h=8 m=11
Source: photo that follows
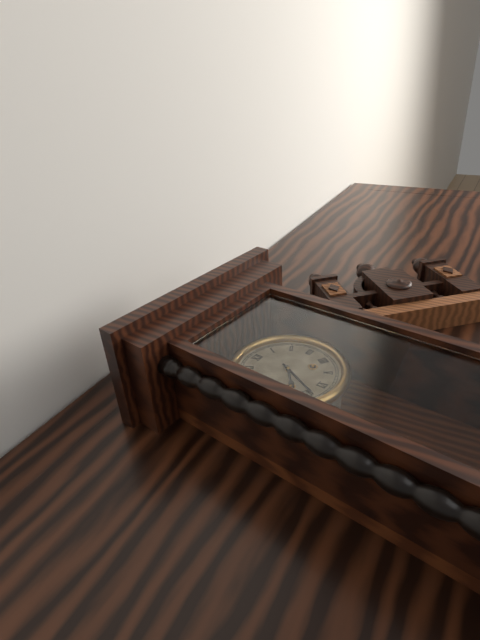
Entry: h=7 m=34
